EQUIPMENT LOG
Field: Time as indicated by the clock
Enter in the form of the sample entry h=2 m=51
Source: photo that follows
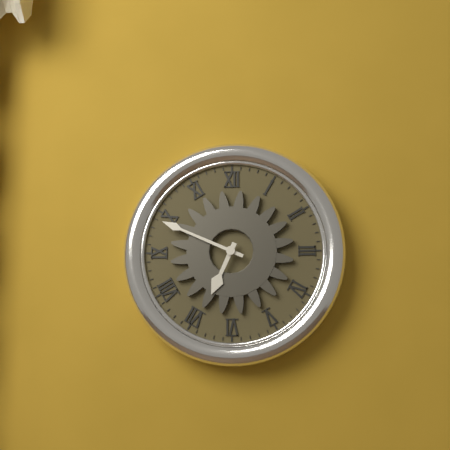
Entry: h=6 m=49
